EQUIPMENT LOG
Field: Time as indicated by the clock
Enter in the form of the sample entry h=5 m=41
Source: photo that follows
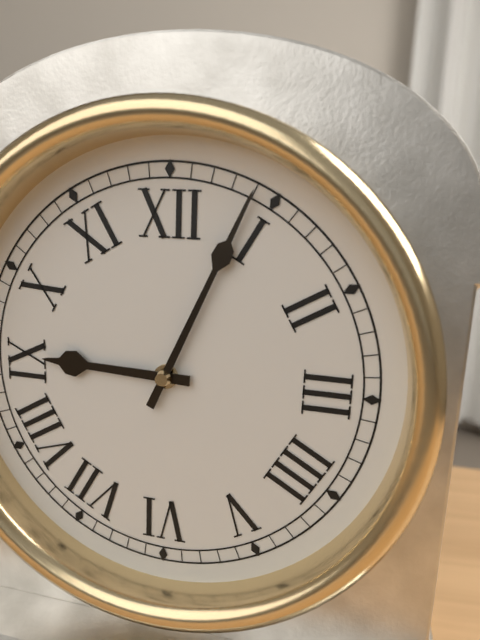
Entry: h=9 m=4
